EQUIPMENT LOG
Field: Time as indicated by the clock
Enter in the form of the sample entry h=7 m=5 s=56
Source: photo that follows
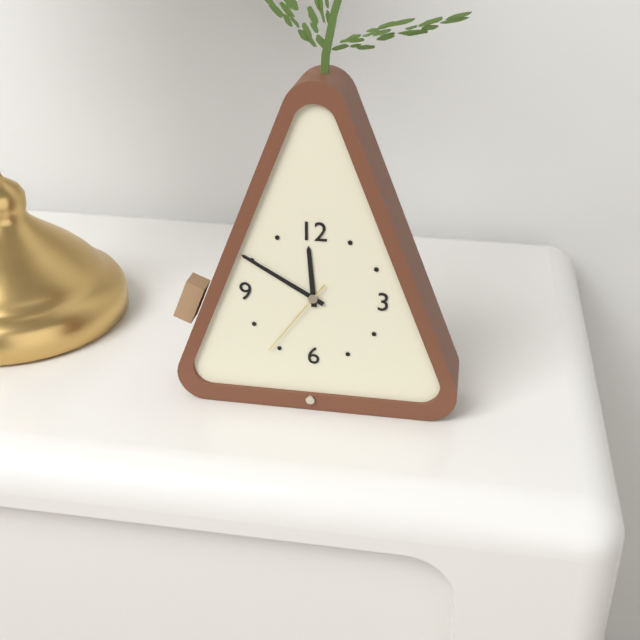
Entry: h=11 m=50 s=36
